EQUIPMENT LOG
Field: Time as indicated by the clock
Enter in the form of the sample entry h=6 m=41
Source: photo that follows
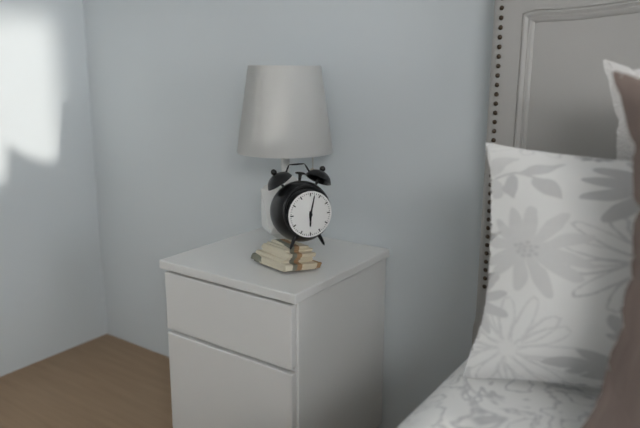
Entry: h=6 m=2
